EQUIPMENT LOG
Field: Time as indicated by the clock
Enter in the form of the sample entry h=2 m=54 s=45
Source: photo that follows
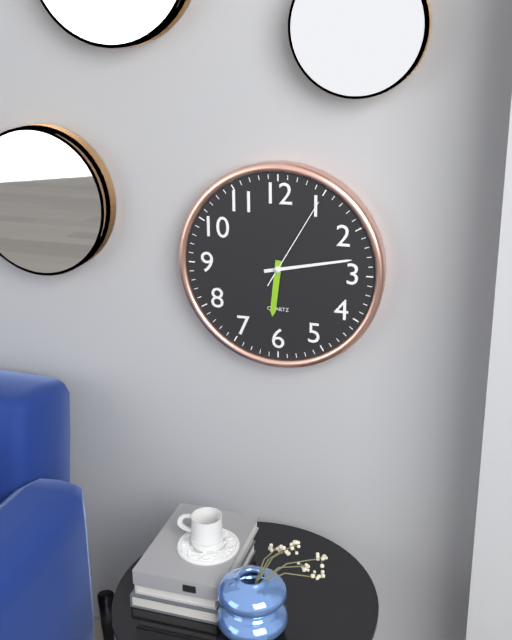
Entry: h=6 m=13 s=5
